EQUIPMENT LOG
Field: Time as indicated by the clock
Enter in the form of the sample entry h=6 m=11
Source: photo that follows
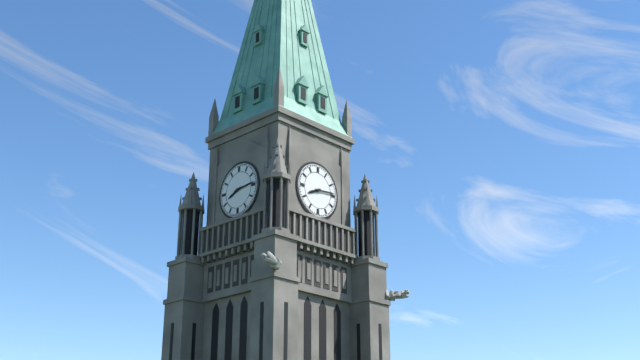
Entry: h=8 m=14
